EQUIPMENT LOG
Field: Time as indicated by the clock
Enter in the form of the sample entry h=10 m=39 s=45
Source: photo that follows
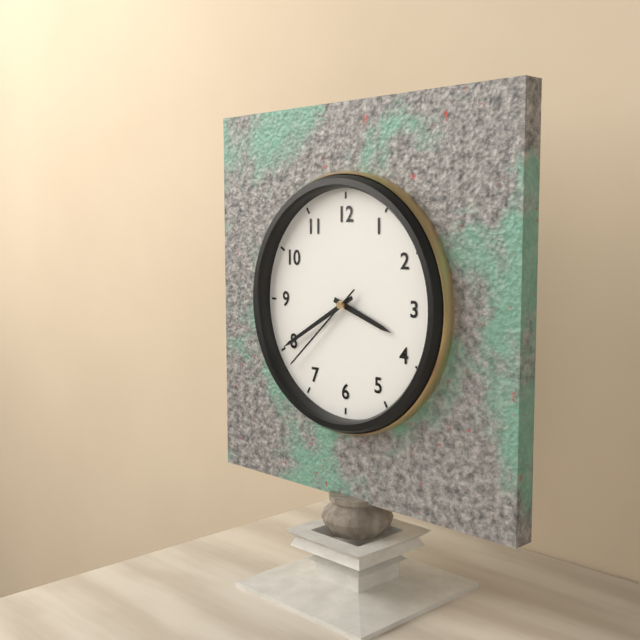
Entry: h=3 m=40 s=38
